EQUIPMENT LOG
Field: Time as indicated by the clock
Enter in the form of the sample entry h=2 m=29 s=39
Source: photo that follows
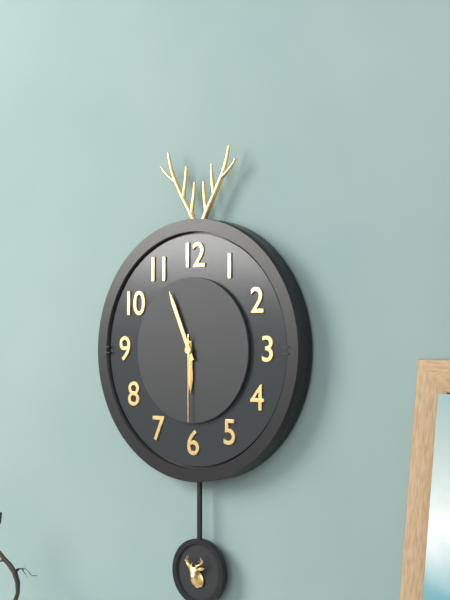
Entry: h=5 m=56 s=30
